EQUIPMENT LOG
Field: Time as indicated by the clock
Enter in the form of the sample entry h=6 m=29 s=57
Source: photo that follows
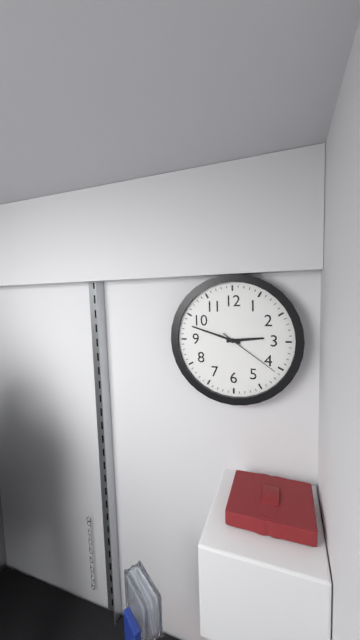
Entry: h=2 m=48 s=21
